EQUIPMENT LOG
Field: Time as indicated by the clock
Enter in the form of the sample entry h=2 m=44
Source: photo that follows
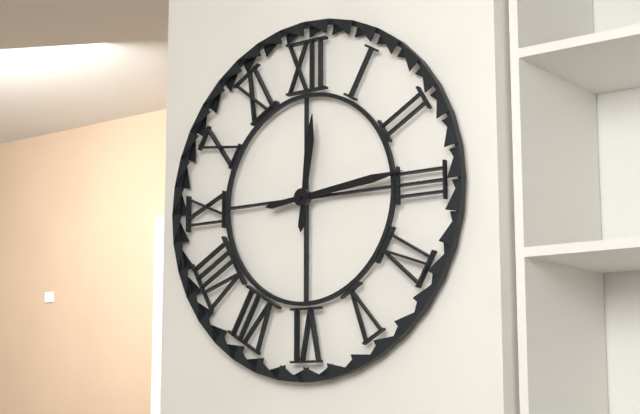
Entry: h=12 m=14
